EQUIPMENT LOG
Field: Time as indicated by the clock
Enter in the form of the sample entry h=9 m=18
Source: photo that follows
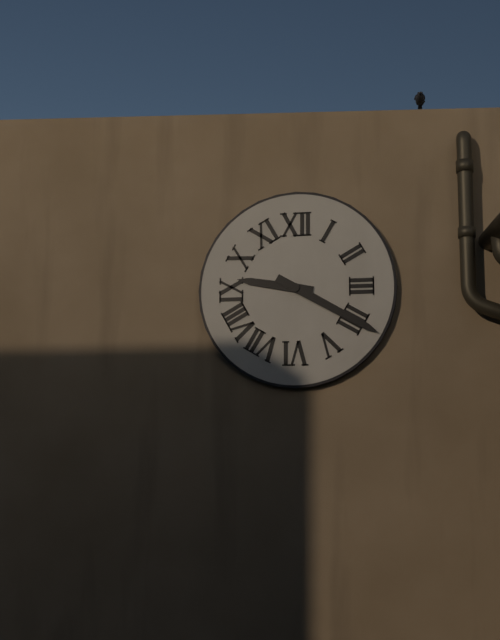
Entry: h=9 m=20
